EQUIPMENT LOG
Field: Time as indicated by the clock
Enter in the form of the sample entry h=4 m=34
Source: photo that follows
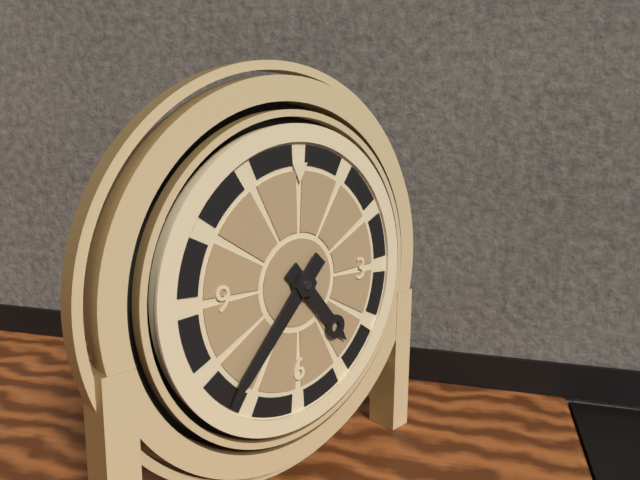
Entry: h=4 m=37
